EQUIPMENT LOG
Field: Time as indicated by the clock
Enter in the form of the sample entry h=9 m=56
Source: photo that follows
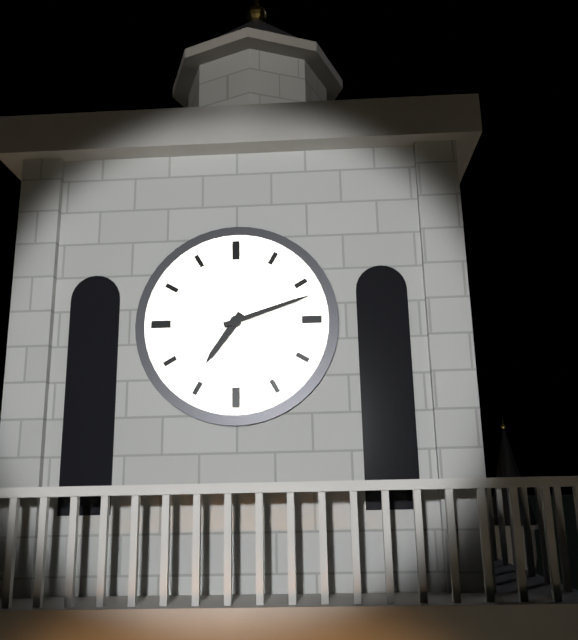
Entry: h=7 m=12
